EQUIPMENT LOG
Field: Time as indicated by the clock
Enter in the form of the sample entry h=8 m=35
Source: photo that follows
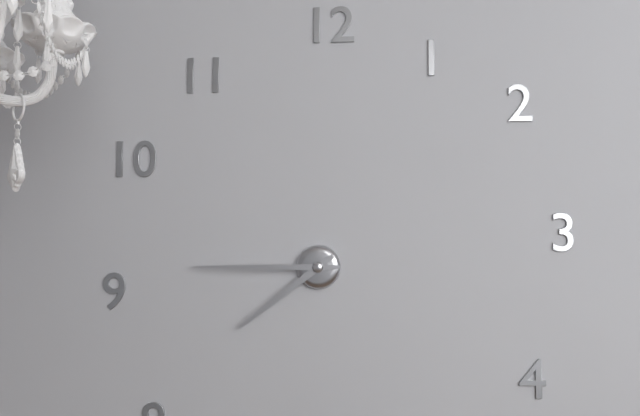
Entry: h=7 m=45
